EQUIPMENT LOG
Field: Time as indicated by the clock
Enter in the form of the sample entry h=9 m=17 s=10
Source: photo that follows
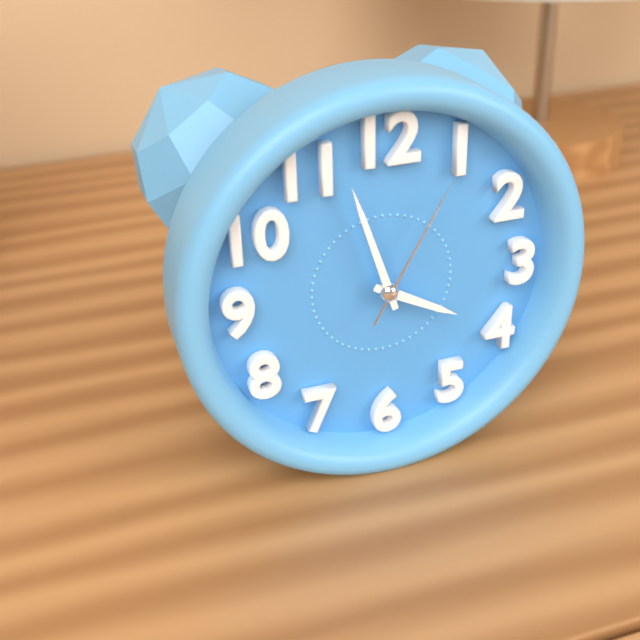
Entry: h=3 m=57 s=5
